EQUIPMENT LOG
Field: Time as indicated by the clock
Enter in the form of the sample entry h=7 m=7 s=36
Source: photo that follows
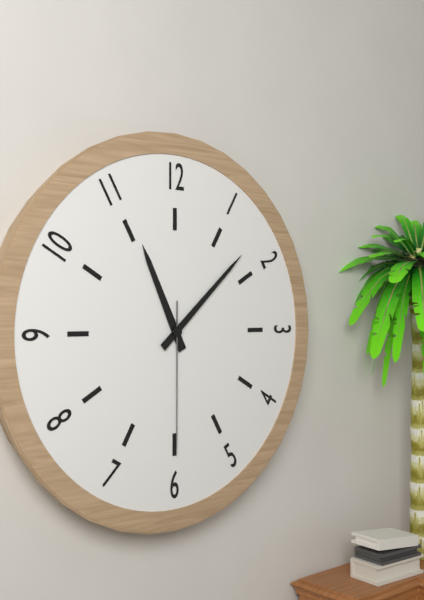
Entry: h=11 m=8 s=30
